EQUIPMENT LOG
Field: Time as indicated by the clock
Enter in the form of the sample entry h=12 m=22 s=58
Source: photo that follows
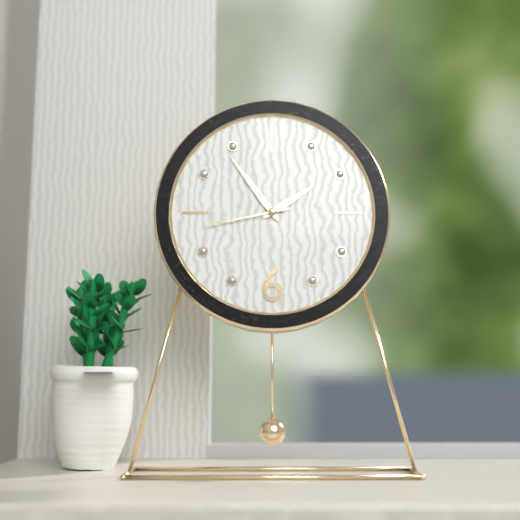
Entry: h=1 m=54 s=43
